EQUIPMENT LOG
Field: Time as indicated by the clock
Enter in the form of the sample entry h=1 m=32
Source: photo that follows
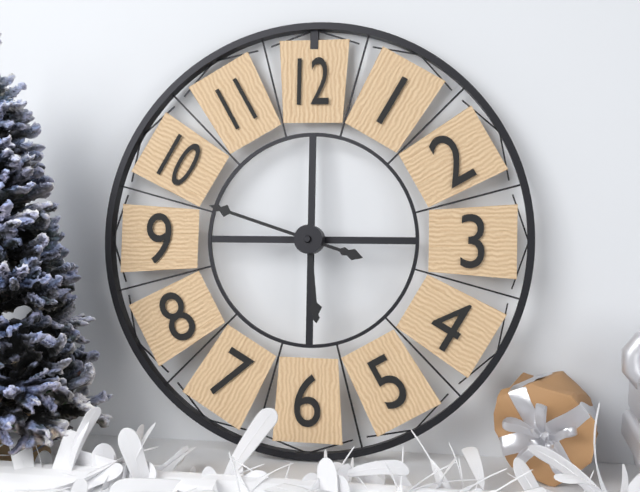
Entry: h=5 m=48
